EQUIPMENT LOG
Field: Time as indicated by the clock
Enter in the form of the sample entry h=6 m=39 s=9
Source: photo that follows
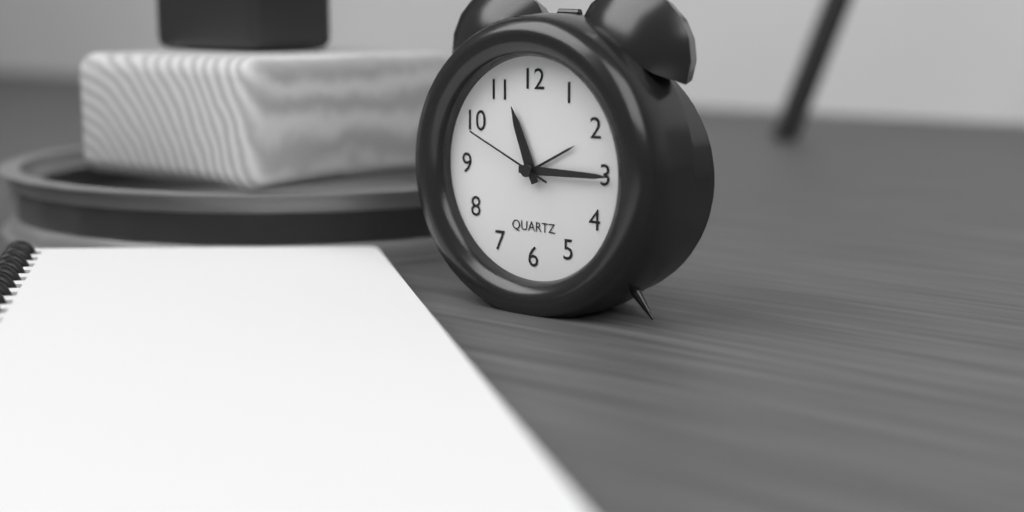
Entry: h=11 m=15 s=49
